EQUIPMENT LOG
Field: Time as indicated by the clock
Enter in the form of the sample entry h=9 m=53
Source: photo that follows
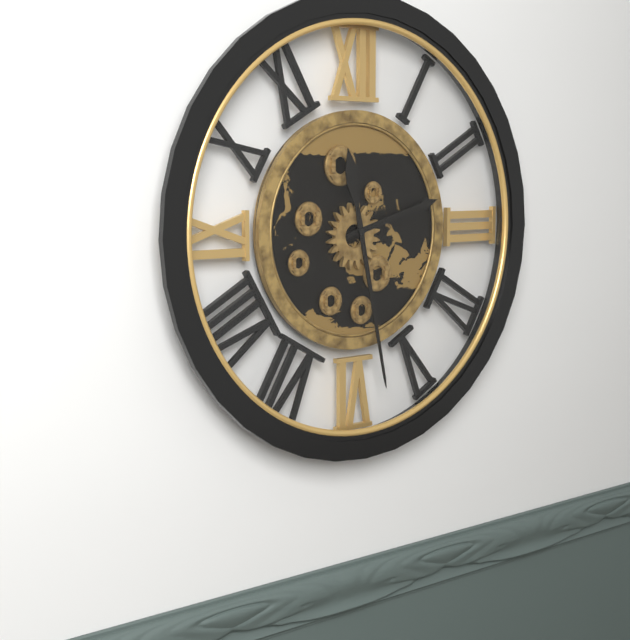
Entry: h=2 m=28
